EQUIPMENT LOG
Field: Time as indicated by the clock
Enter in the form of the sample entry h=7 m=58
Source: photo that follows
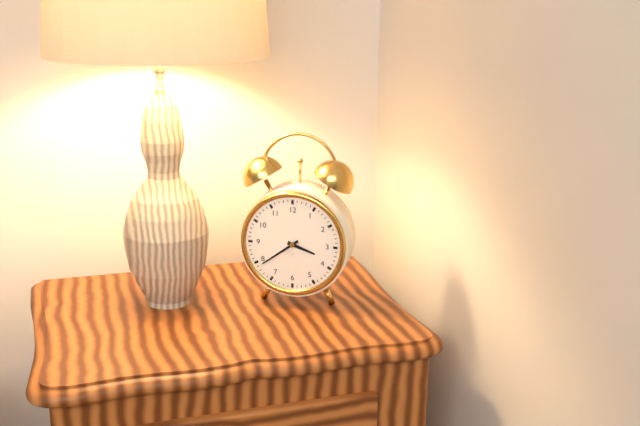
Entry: h=3 m=39
